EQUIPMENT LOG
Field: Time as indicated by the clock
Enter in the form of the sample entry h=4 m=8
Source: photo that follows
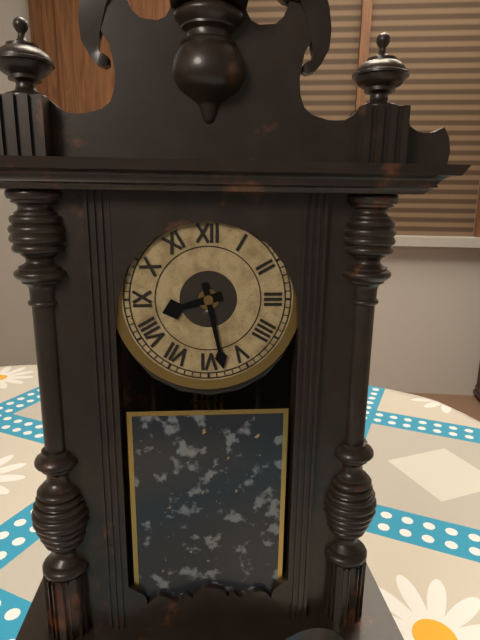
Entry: h=8 m=28
